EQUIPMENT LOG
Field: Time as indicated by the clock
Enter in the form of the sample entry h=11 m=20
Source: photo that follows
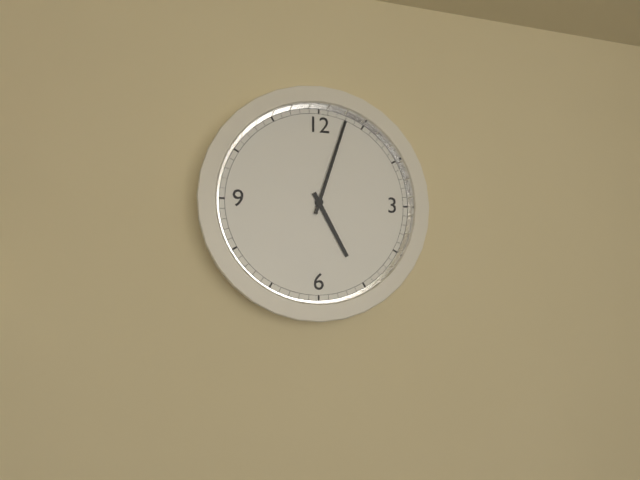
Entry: h=5 m=3
